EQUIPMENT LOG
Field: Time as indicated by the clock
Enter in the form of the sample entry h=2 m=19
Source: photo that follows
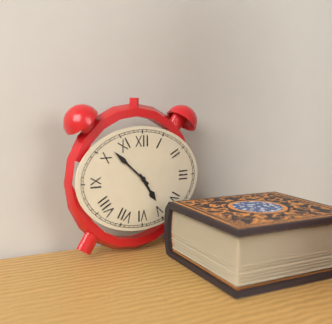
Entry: h=4 m=52
